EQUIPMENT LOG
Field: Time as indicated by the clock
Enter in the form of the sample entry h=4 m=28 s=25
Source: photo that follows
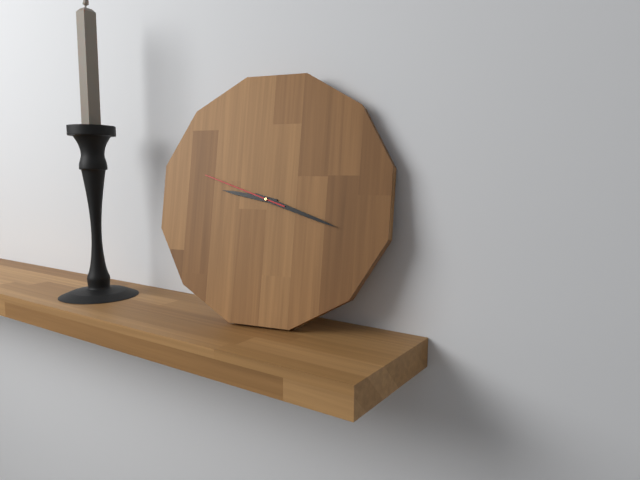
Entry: h=9 m=18 s=48
